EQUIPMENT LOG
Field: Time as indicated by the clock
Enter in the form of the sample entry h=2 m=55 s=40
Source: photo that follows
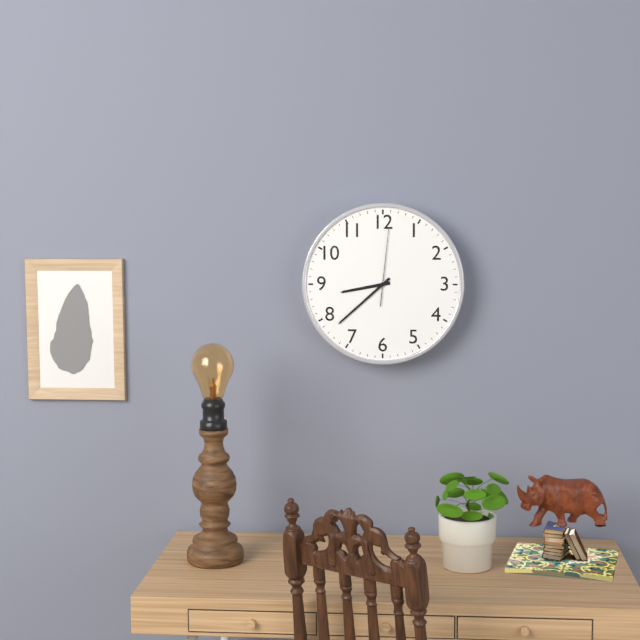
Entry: h=8 m=38 s=1
